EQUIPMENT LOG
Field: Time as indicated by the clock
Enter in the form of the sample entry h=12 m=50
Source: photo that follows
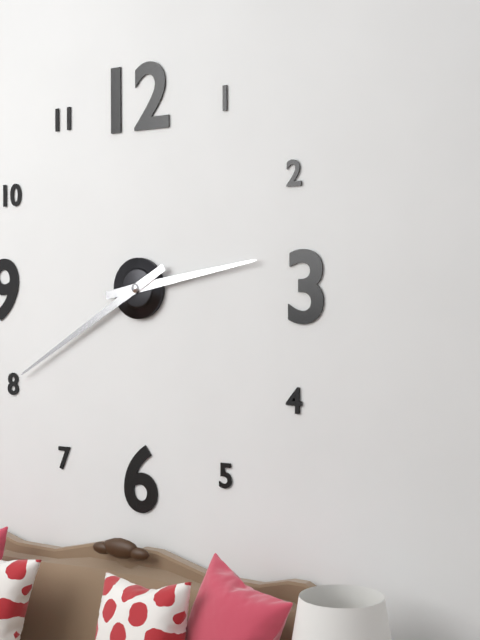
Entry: h=2 m=40
